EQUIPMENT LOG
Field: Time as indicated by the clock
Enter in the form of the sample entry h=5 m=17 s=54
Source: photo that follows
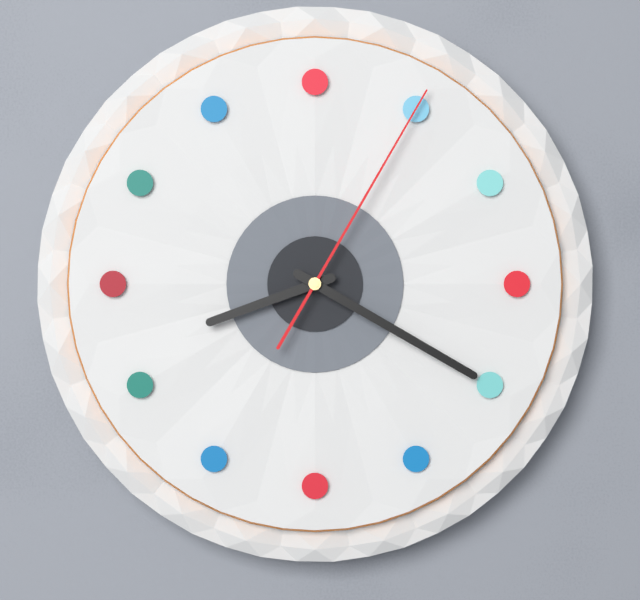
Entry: h=8 m=20 s=5
